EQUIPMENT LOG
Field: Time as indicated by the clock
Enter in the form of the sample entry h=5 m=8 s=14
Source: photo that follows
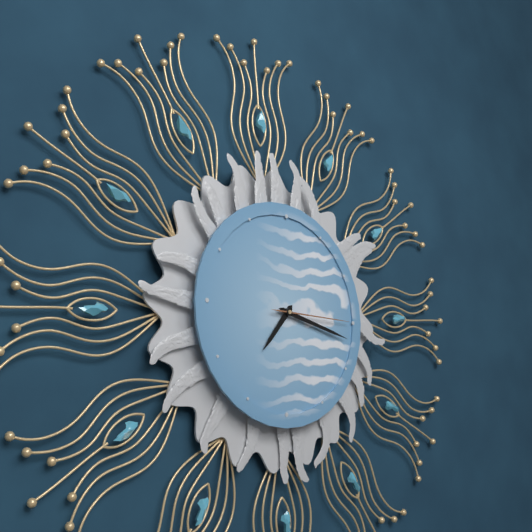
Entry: h=7 m=17 s=15
